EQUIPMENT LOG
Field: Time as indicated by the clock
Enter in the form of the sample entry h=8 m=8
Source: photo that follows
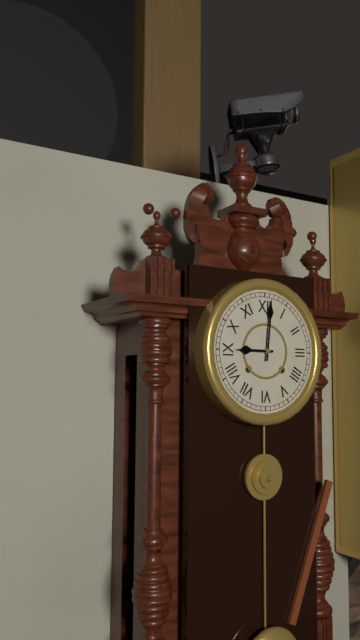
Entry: h=9 m=1
